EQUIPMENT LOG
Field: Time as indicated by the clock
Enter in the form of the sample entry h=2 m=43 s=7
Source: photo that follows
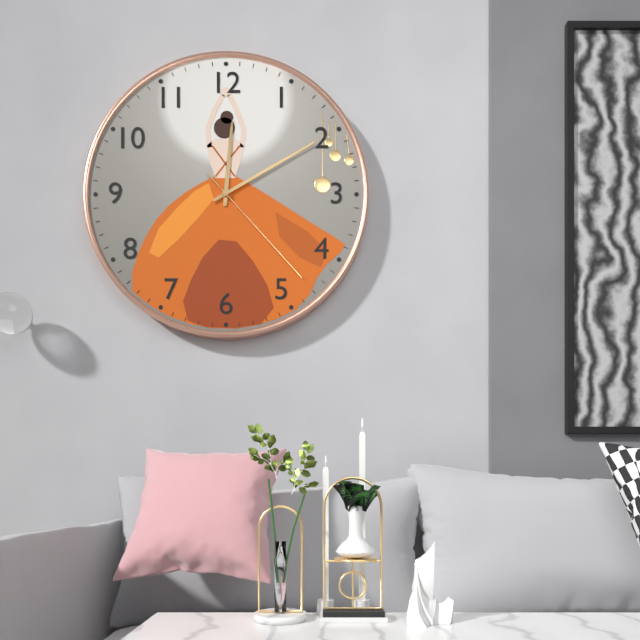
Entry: h=12 m=10 s=23
